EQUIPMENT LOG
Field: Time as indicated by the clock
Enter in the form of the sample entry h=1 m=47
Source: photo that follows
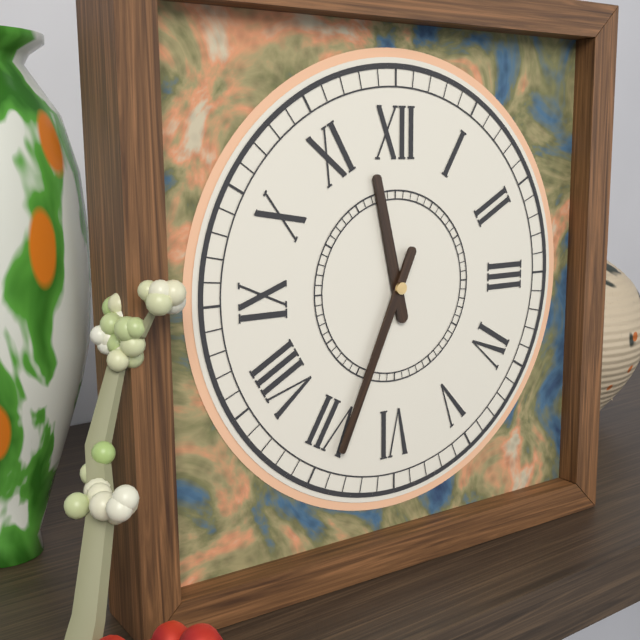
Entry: h=11 m=34
